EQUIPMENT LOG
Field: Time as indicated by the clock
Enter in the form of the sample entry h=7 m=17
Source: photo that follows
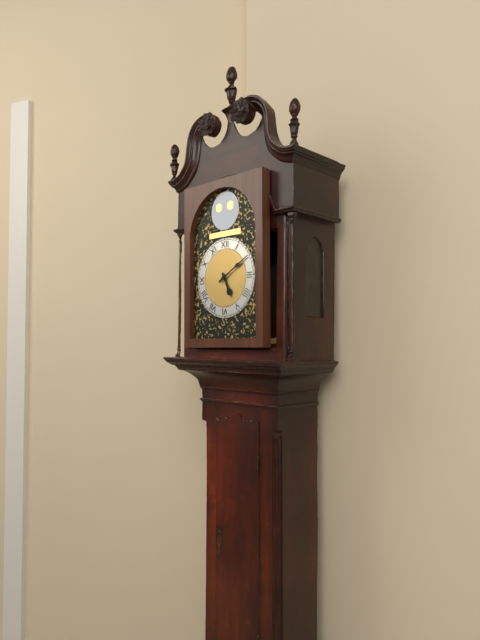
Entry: h=5 m=10
